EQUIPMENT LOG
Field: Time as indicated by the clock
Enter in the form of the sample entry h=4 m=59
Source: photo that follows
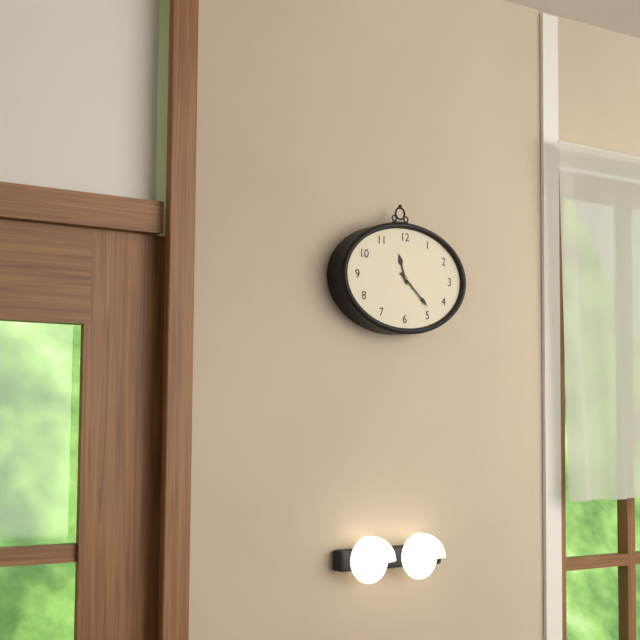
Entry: h=11 m=22
